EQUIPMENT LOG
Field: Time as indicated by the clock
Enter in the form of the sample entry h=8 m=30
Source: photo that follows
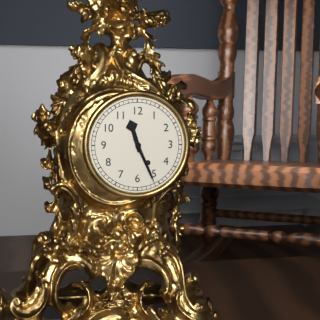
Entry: h=11 m=26
